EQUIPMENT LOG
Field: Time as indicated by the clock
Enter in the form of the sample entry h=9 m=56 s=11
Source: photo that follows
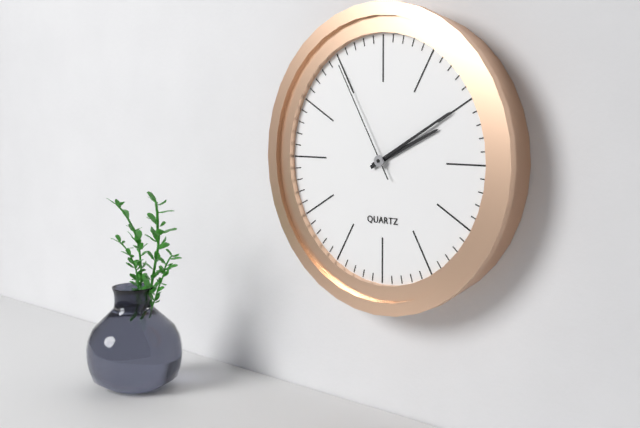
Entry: h=2 m=10 s=55
